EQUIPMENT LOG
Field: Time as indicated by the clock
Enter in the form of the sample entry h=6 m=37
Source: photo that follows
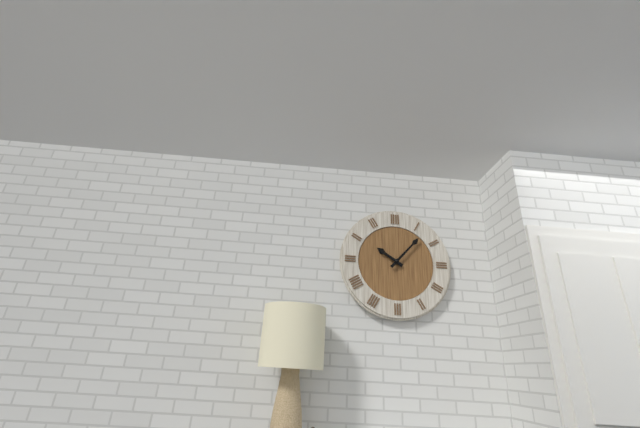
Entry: h=10 m=7
